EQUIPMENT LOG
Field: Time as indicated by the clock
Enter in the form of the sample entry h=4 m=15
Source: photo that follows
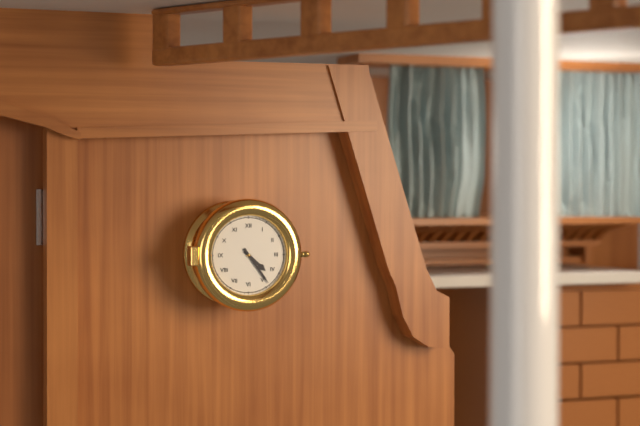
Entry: h=4 m=24
